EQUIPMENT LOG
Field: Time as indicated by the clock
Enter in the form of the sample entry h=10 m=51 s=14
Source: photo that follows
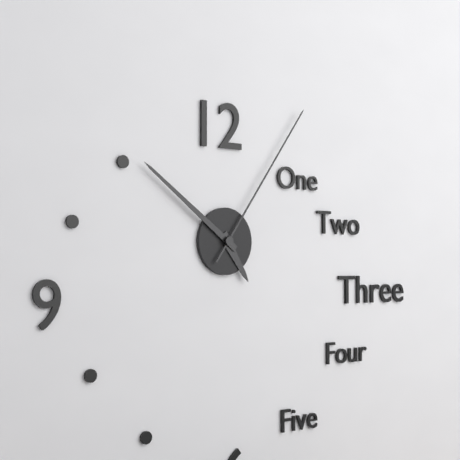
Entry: h=4 m=51 s=6
